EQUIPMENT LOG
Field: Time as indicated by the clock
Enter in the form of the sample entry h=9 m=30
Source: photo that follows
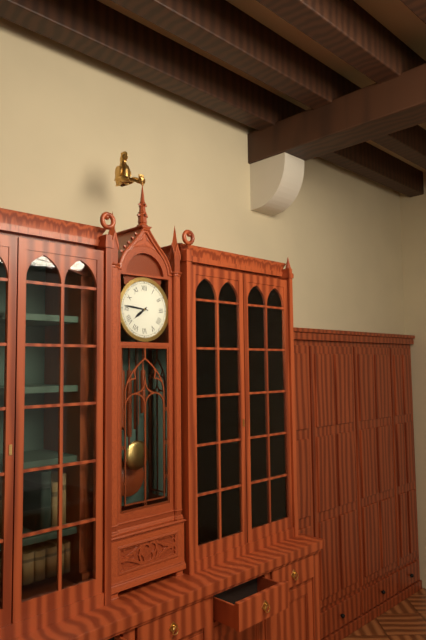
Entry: h=7 m=46
